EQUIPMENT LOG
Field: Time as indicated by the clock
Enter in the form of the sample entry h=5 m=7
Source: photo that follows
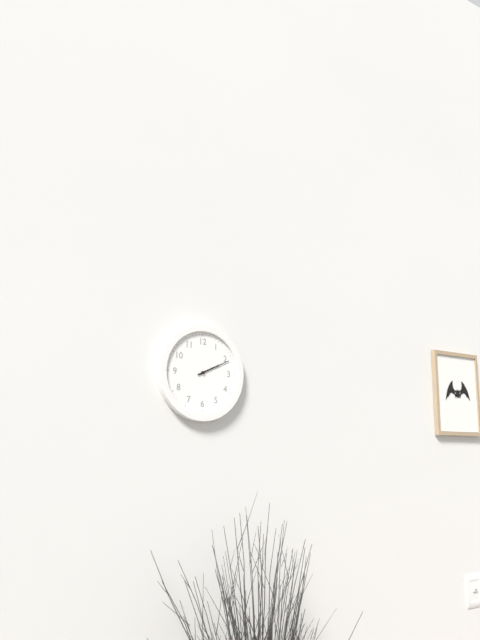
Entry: h=2 m=11
